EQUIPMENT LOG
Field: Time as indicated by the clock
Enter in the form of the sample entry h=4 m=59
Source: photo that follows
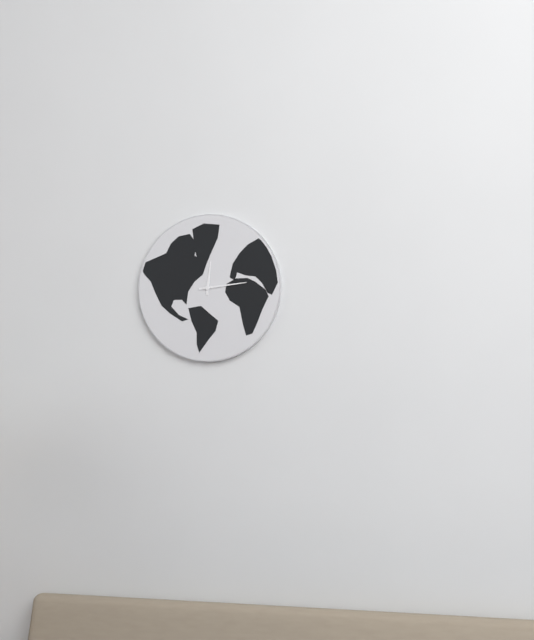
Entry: h=12 m=14
